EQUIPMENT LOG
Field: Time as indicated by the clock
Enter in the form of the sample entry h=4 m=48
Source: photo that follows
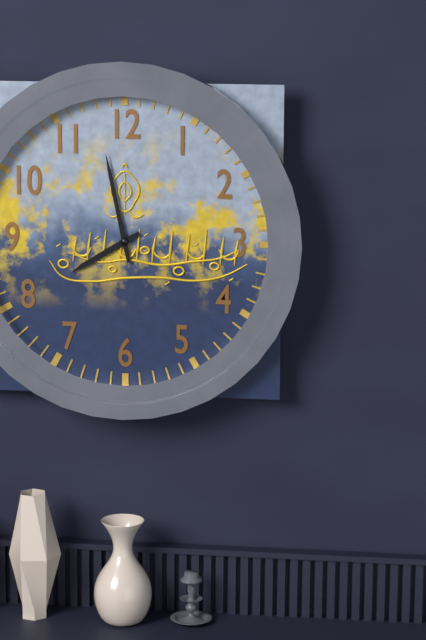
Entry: h=7 m=58
